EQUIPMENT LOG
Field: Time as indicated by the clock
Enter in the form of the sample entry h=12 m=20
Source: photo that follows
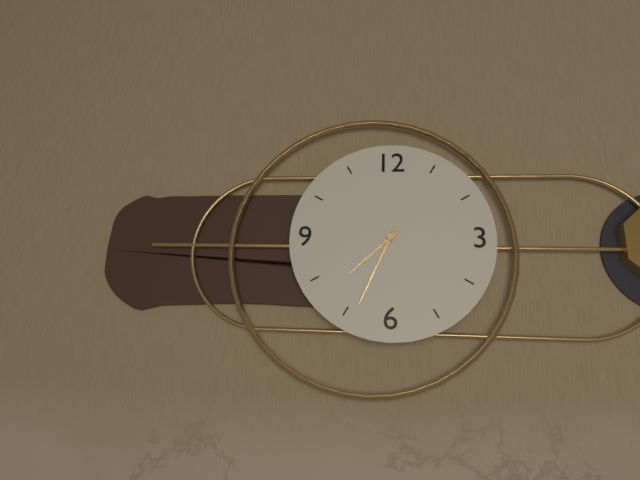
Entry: h=7 m=34
